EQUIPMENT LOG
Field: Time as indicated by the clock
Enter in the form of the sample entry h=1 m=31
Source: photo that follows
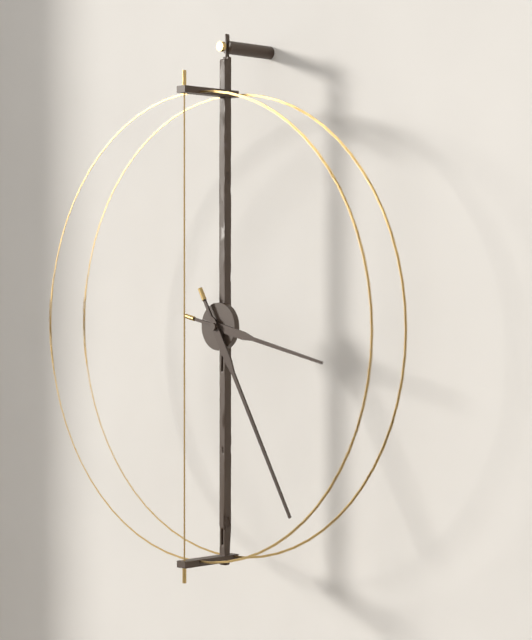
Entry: h=3 m=25
